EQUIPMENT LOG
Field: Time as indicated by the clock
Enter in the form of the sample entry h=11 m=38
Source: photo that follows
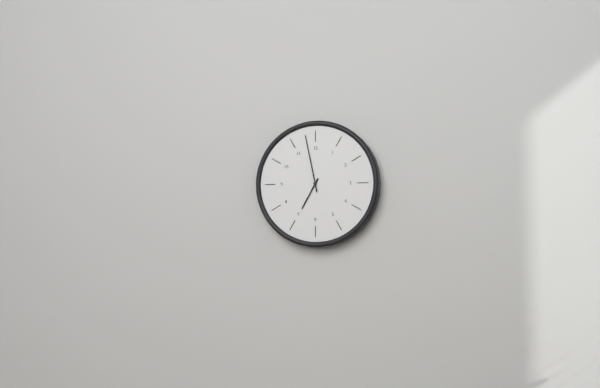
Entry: h=6 m=58
